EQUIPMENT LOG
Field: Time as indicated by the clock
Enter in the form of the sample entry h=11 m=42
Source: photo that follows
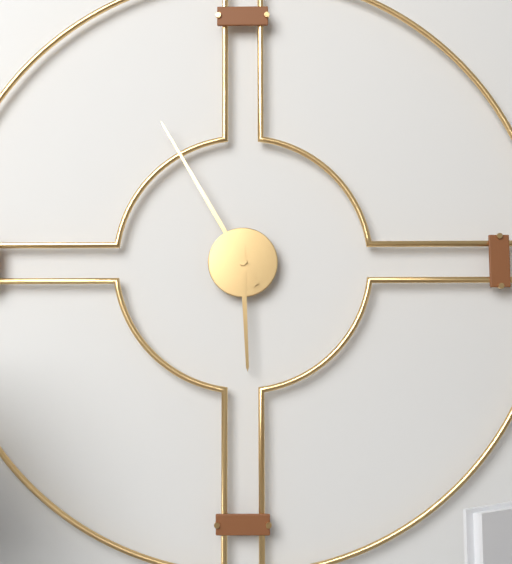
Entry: h=5 m=55
